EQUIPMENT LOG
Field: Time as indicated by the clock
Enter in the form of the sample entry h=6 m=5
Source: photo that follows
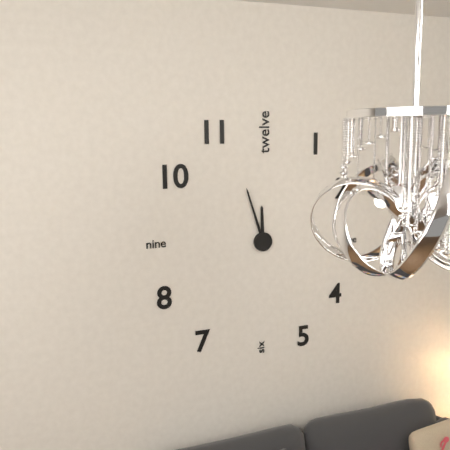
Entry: h=11 m=57
